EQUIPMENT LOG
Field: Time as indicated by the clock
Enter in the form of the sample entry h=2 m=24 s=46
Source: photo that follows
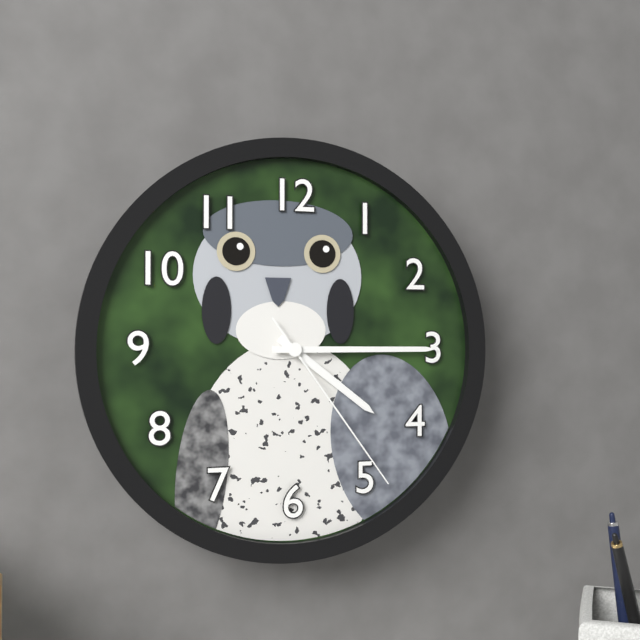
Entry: h=4 m=15 s=24
